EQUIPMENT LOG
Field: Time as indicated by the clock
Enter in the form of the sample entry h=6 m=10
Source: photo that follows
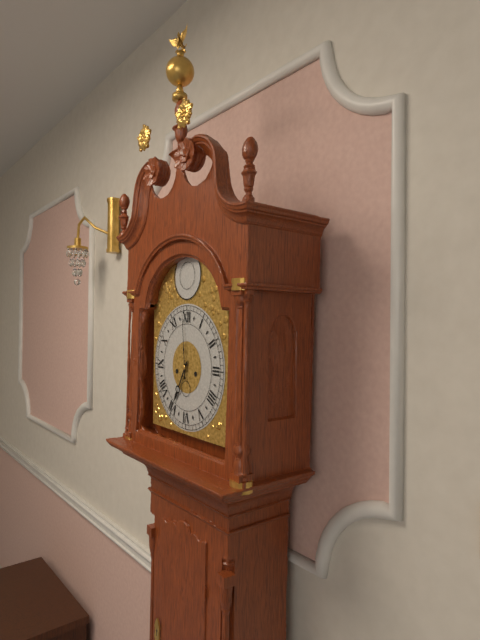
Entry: h=6 m=59
